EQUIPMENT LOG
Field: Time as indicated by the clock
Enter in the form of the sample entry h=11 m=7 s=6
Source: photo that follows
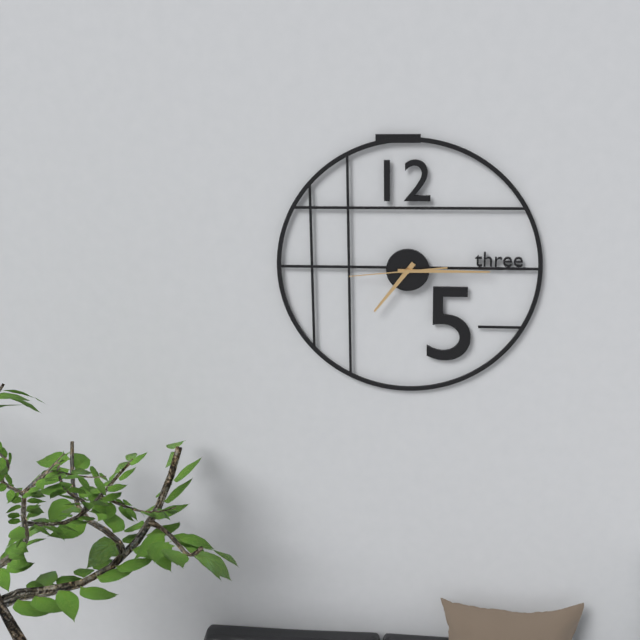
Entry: h=7 m=15 s=44
